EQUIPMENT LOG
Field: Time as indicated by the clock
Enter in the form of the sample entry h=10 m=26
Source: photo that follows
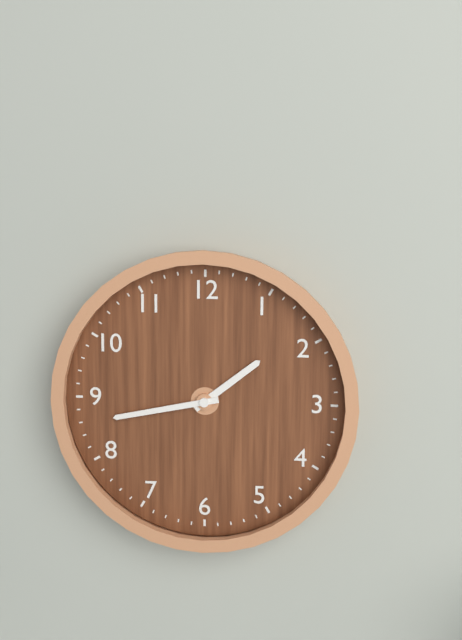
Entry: h=1 m=43
